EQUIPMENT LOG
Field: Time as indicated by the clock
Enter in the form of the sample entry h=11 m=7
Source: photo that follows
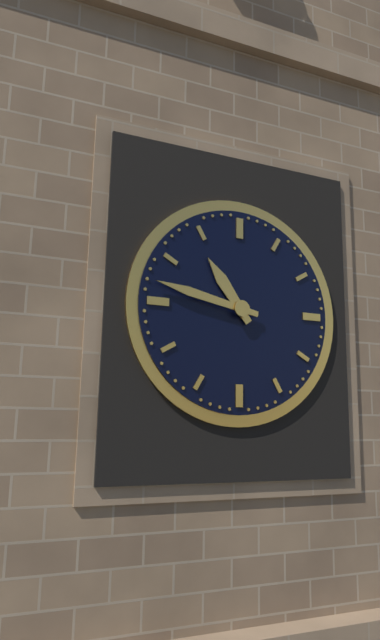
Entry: h=10 m=47
